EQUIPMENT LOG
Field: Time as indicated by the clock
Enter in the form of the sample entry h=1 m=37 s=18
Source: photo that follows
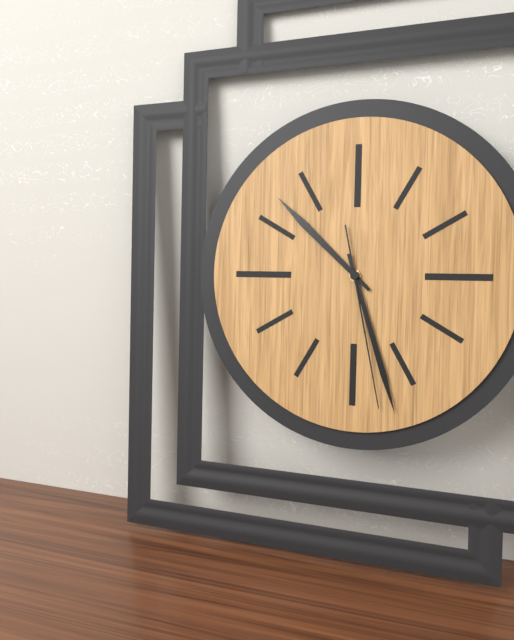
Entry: h=10 m=27 s=28
